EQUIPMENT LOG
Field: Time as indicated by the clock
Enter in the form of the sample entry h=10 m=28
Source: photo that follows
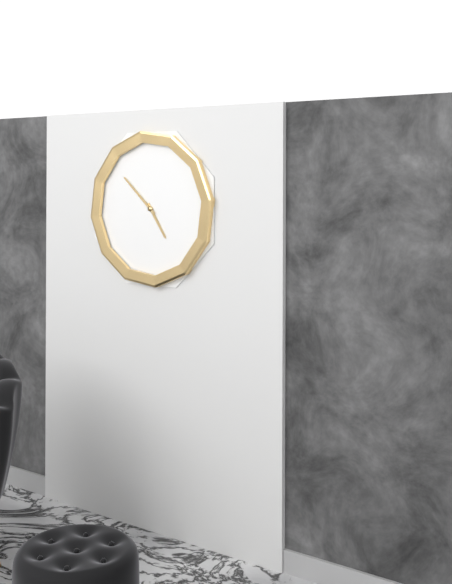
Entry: h=4 m=52
